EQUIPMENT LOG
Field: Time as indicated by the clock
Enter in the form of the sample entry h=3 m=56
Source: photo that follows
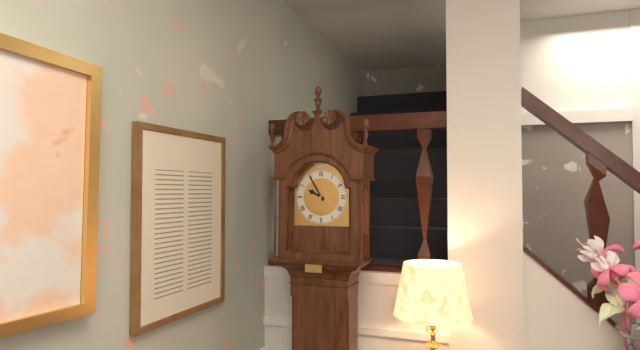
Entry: h=9 m=55
